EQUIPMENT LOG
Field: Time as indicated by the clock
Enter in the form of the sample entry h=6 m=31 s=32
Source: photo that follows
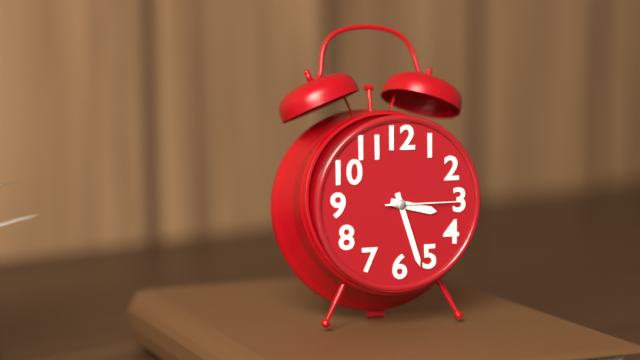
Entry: h=3 m=27 s=15
